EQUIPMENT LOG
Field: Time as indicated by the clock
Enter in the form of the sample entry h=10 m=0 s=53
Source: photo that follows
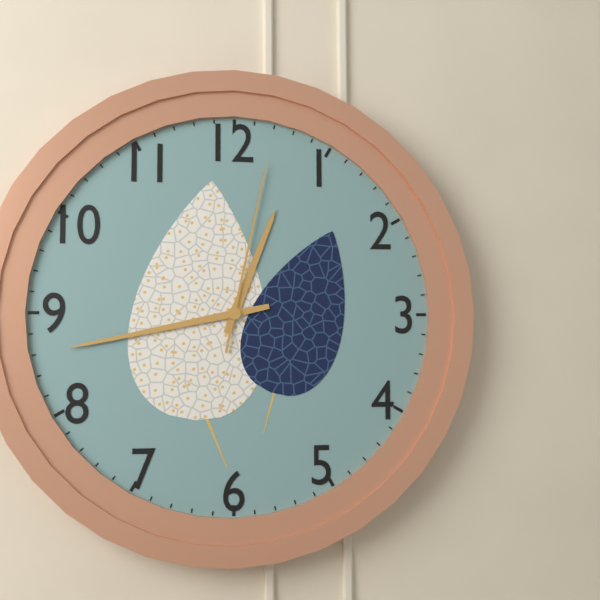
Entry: h=12 m=43 s=2
